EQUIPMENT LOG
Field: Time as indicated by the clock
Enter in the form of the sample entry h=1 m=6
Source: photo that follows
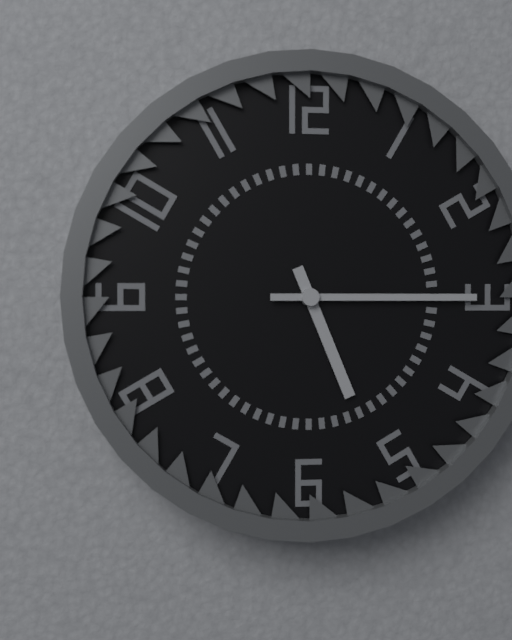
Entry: h=5 m=15
